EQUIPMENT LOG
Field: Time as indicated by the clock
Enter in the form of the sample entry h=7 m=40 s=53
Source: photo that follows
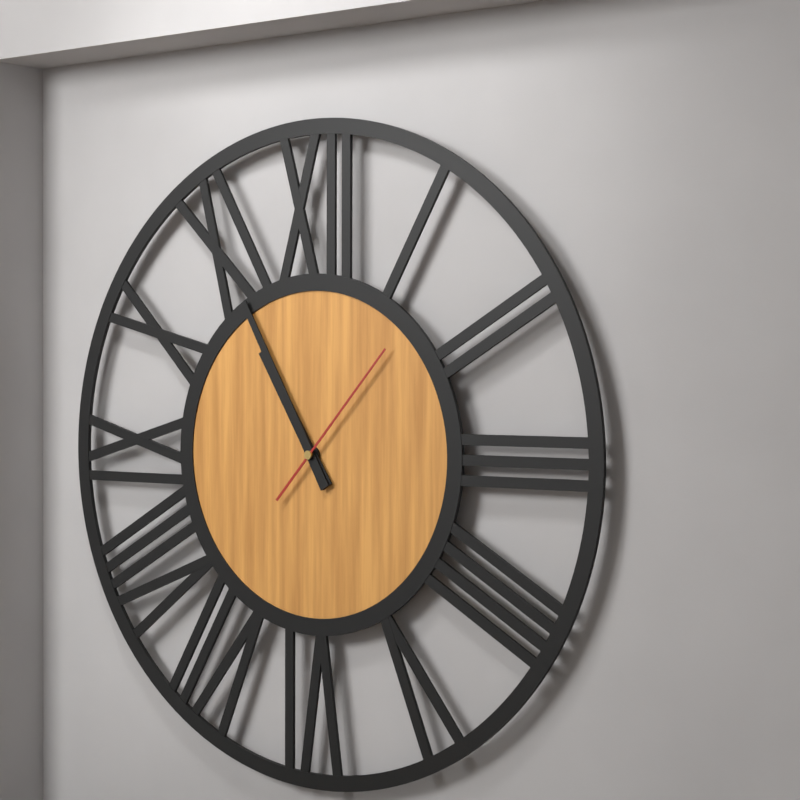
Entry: h=10 m=55 s=7
